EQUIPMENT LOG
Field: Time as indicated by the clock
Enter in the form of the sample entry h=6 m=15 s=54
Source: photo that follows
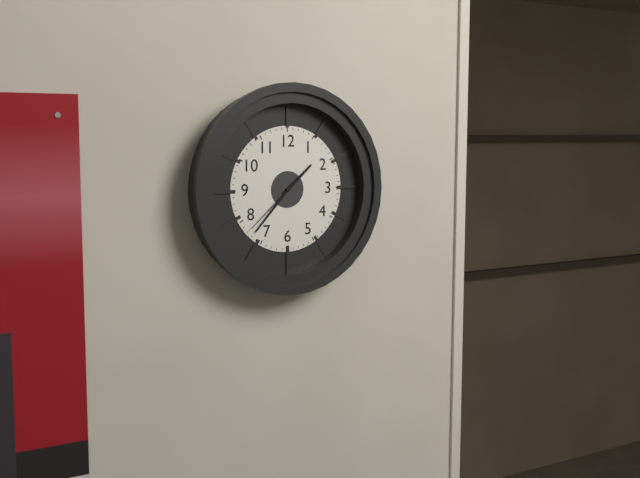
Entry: h=1 m=37 s=38
